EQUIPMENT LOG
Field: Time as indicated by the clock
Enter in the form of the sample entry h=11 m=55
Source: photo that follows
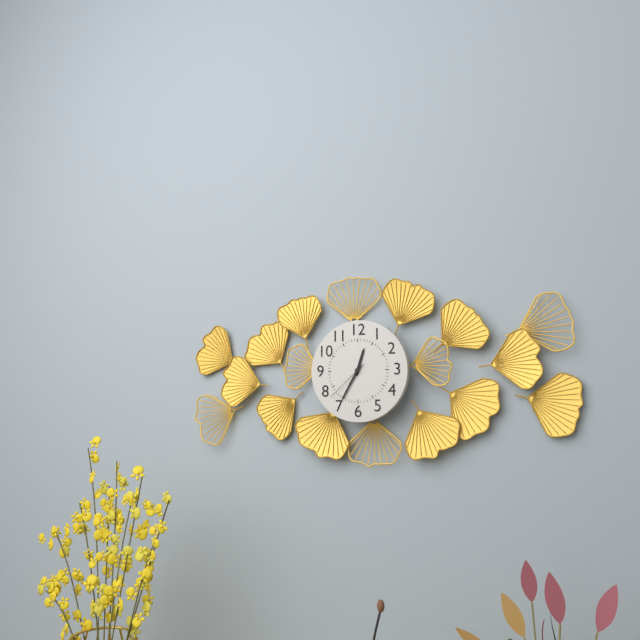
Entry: h=12 m=35
